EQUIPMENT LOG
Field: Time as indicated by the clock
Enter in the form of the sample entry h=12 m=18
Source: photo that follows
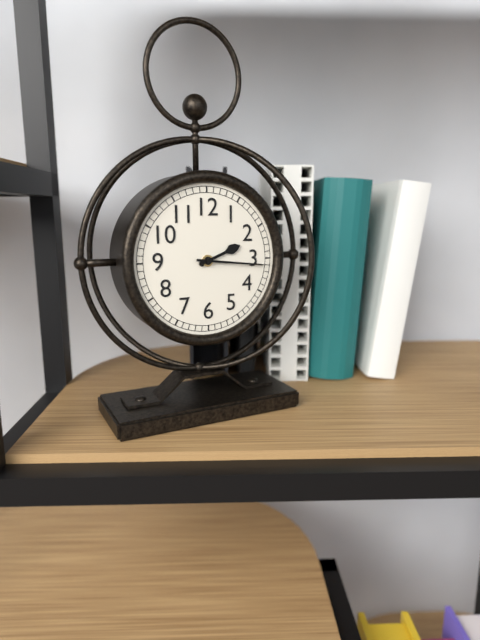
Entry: h=2 m=16
